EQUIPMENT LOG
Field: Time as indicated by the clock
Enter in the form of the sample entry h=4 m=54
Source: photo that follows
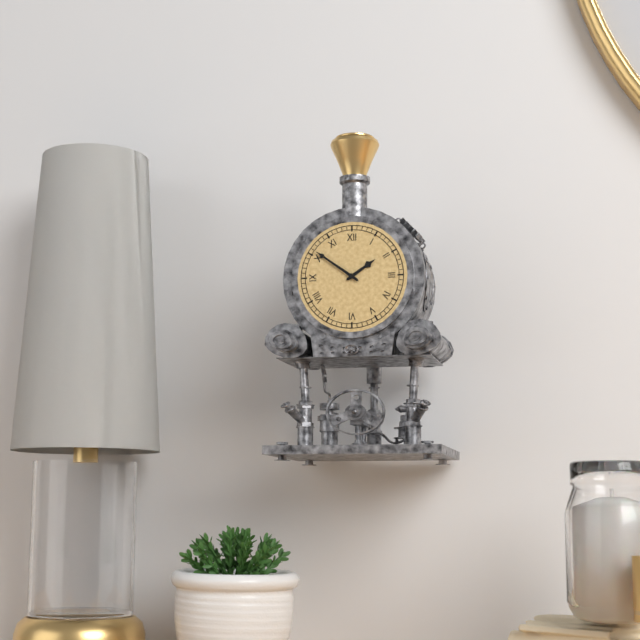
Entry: h=1 m=51
